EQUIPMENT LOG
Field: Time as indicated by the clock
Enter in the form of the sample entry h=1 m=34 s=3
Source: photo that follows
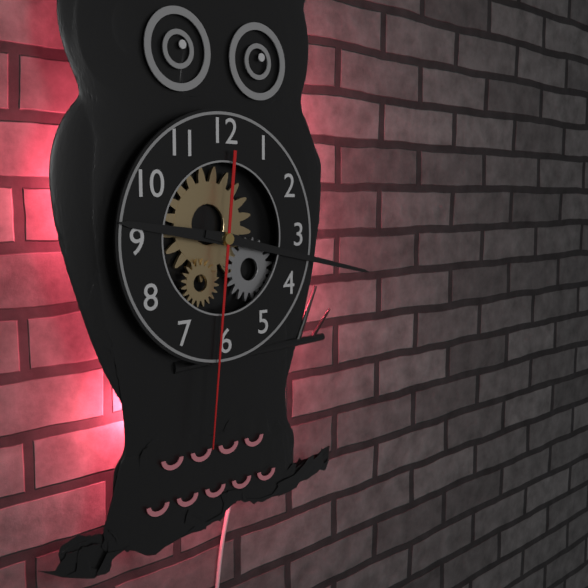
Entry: h=9 m=17 s=31
